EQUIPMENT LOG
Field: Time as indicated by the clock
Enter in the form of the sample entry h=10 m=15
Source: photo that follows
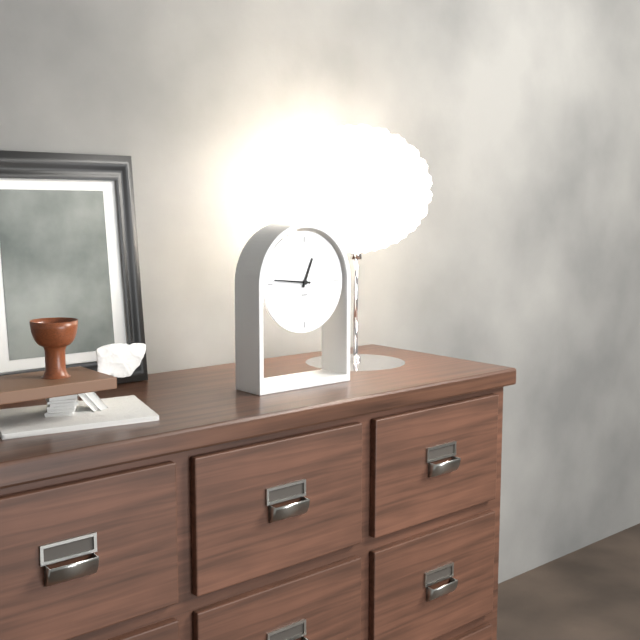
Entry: h=12 m=46
